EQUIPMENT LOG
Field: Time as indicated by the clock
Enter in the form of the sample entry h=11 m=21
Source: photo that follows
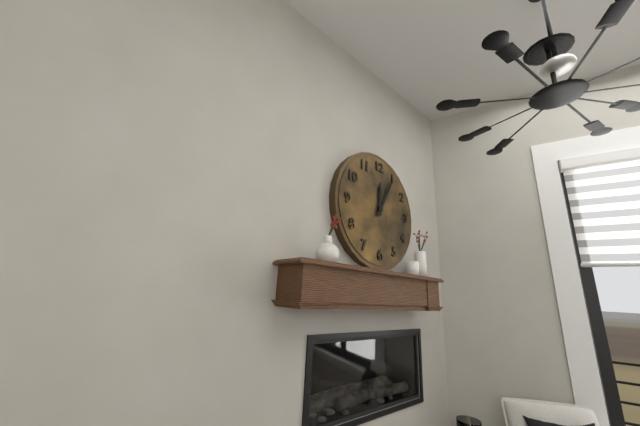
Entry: h=12 m=5
